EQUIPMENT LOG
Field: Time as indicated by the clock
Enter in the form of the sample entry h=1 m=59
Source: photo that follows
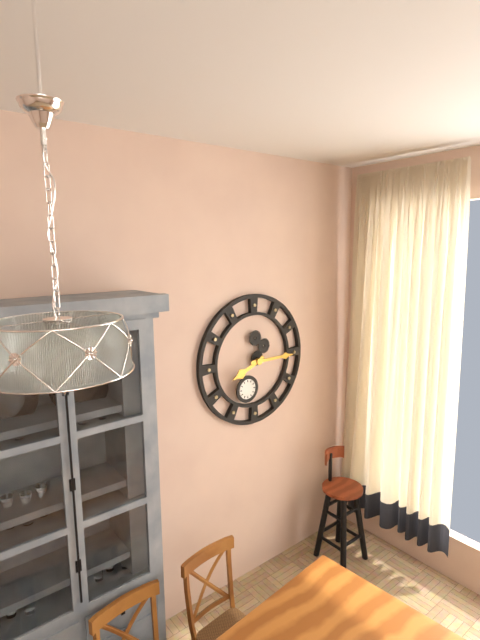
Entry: h=8 m=15
